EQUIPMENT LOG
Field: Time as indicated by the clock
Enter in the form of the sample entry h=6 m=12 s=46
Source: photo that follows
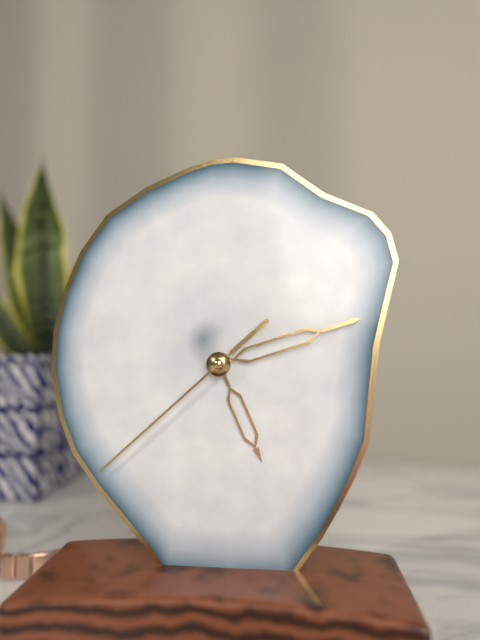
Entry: h=5 m=12 s=38
